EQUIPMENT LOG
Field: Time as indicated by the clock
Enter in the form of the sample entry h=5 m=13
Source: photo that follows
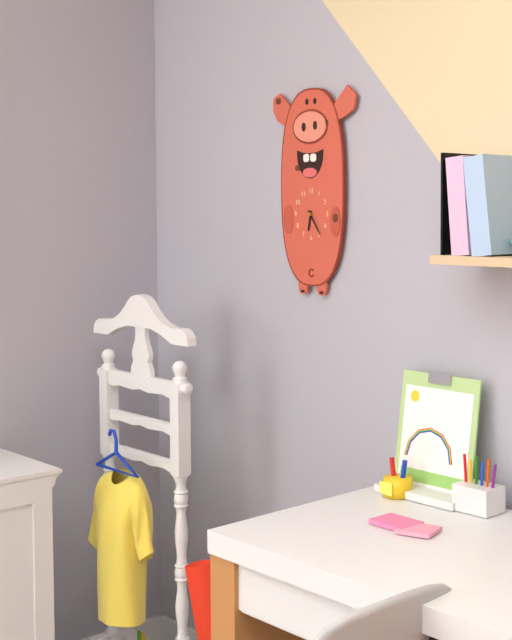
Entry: h=6 m=24
